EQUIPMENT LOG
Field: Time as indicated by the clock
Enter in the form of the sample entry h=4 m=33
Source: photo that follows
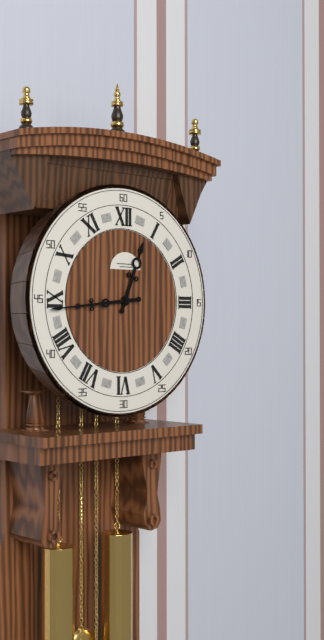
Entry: h=12 m=44
